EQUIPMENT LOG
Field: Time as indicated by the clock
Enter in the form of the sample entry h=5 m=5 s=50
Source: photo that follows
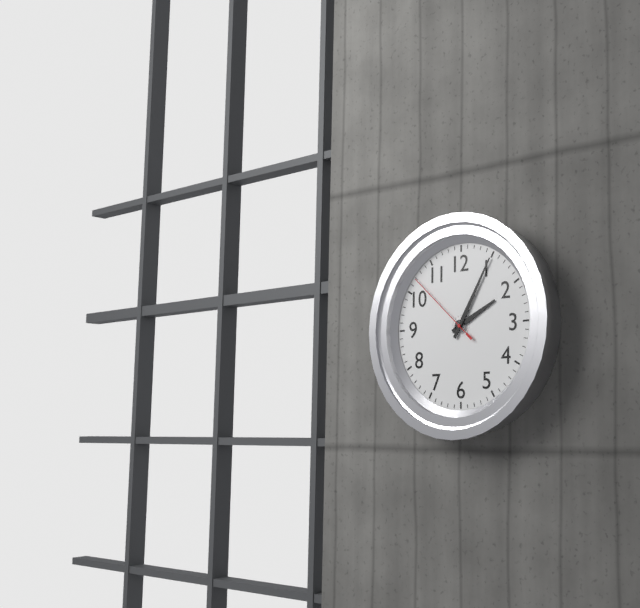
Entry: h=2 m=5 s=52
